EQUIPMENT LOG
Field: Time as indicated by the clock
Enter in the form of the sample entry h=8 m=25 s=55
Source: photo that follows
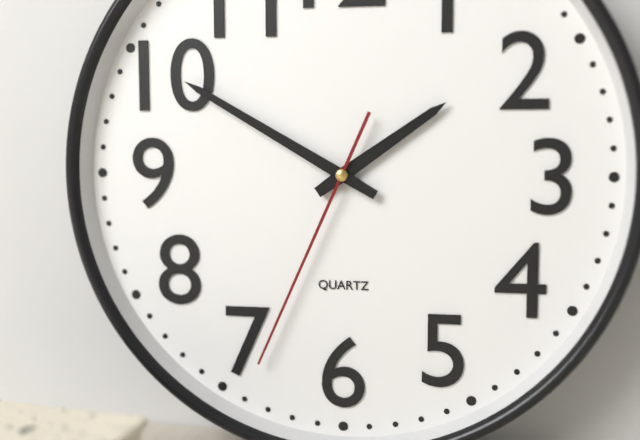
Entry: h=1 m=50 s=34
